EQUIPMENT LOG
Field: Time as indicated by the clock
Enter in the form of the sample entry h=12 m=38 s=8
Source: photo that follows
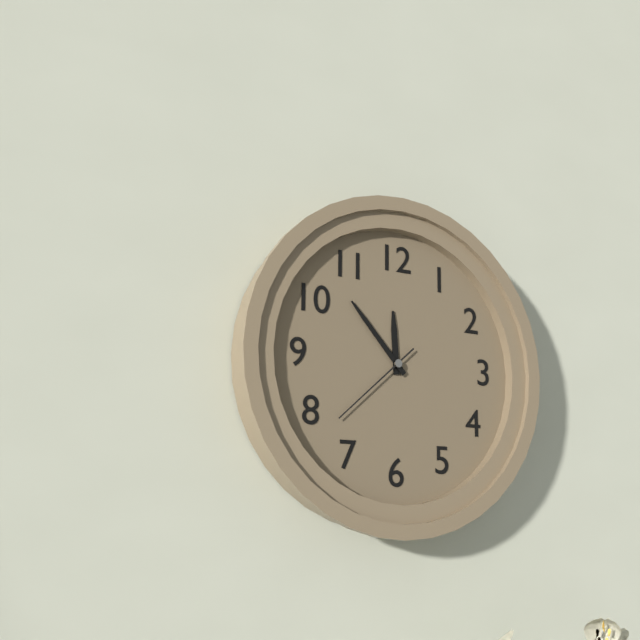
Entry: h=11 m=53 s=38
